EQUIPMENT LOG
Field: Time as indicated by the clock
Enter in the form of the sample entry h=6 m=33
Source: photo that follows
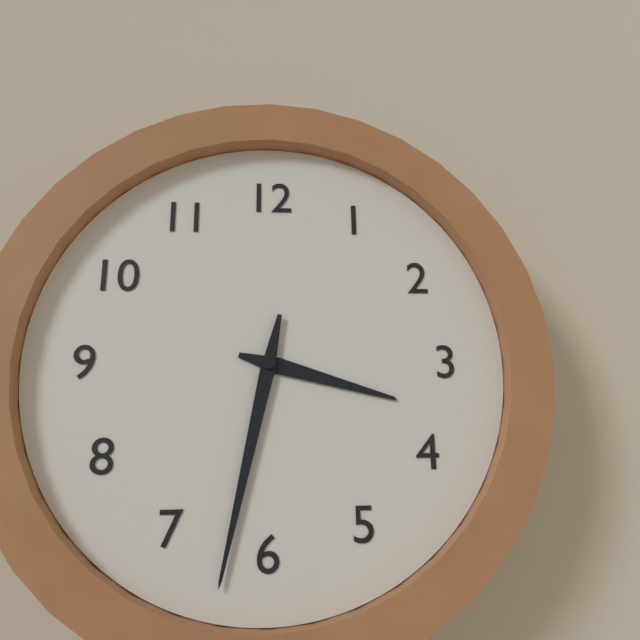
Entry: h=3 m=32
